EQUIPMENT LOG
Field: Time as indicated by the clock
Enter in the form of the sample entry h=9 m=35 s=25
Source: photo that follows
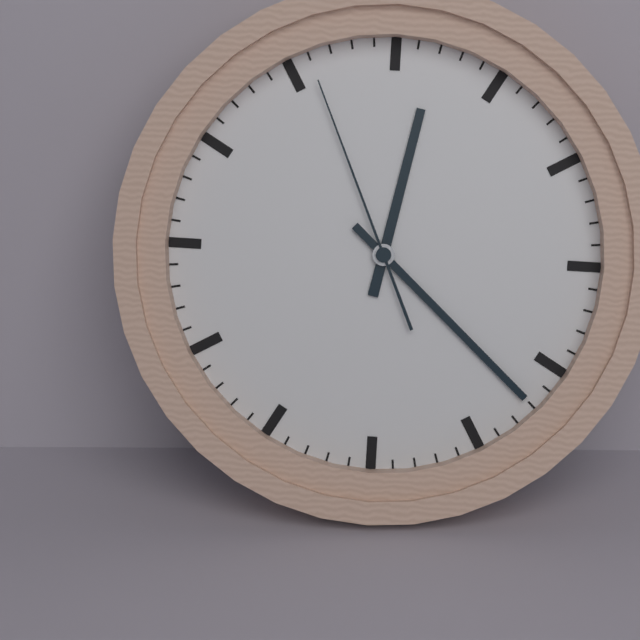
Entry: h=12 m=22 s=56
